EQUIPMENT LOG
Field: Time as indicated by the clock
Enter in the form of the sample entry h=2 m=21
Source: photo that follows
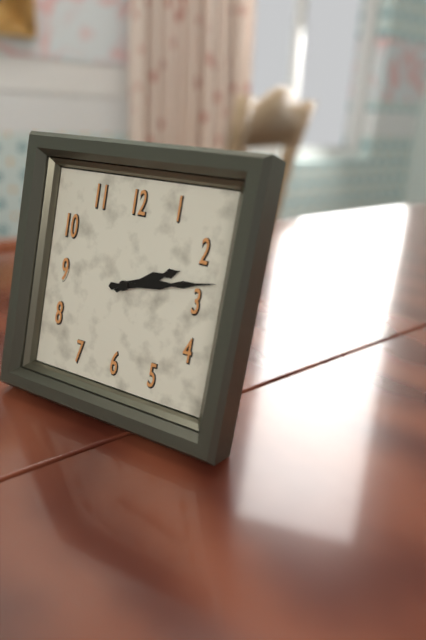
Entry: h=2 m=13
